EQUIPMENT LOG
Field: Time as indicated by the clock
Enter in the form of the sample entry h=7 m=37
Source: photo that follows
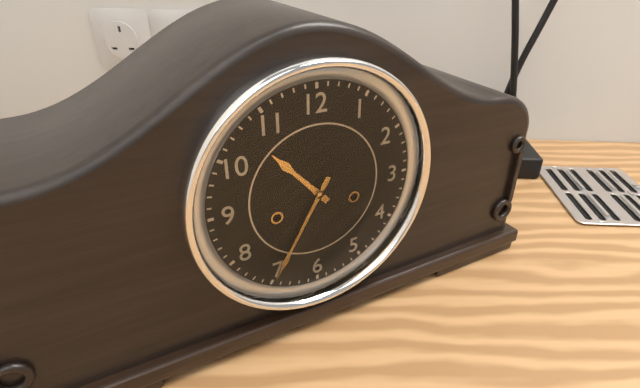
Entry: h=10 m=35
